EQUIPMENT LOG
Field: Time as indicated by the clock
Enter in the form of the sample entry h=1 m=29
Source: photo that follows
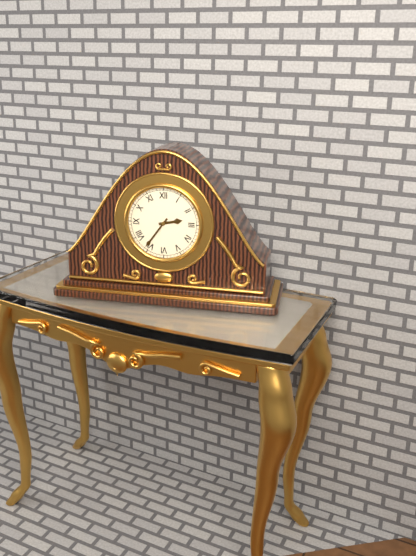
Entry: h=2 m=36
